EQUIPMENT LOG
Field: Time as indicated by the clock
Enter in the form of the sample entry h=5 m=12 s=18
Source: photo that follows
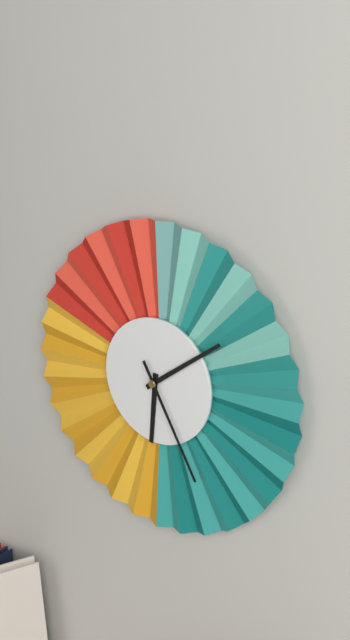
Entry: h=6 m=9 s=25
